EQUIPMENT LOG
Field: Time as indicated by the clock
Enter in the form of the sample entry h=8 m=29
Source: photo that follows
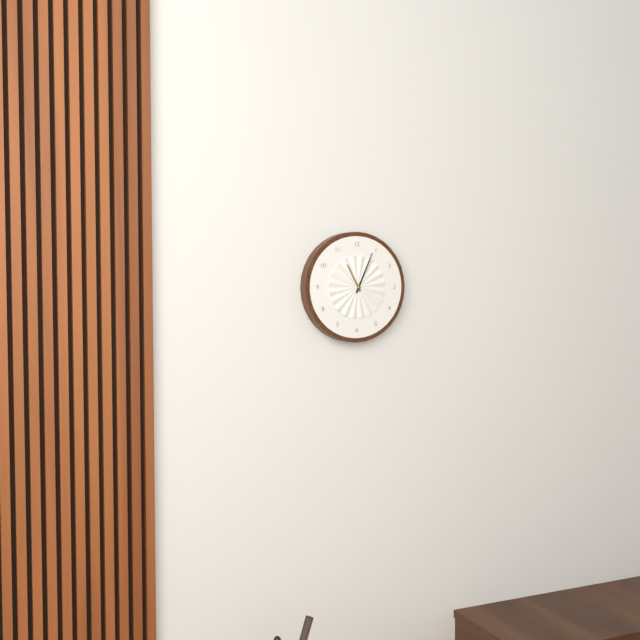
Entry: h=11 m=4
